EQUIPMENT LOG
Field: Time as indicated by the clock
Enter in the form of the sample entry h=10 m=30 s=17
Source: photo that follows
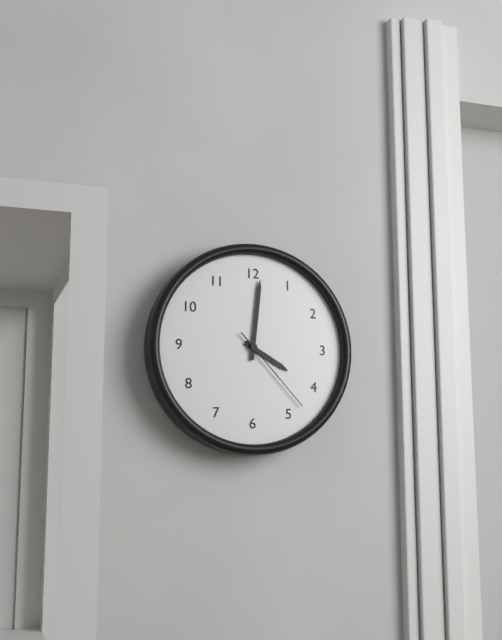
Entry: h=4 m=1 s=23
